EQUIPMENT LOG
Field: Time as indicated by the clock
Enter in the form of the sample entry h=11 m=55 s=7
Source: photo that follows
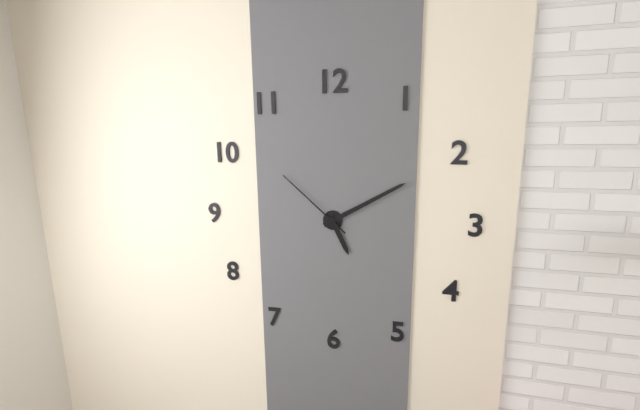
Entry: h=5 m=10 s=52
